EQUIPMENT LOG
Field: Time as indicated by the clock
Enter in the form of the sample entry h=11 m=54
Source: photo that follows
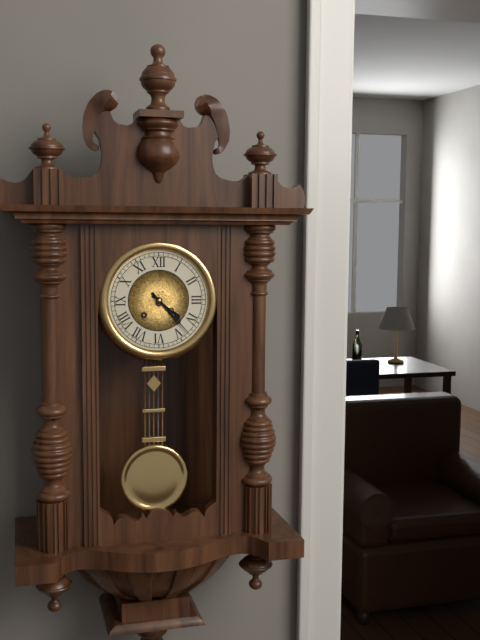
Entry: h=4 m=23
